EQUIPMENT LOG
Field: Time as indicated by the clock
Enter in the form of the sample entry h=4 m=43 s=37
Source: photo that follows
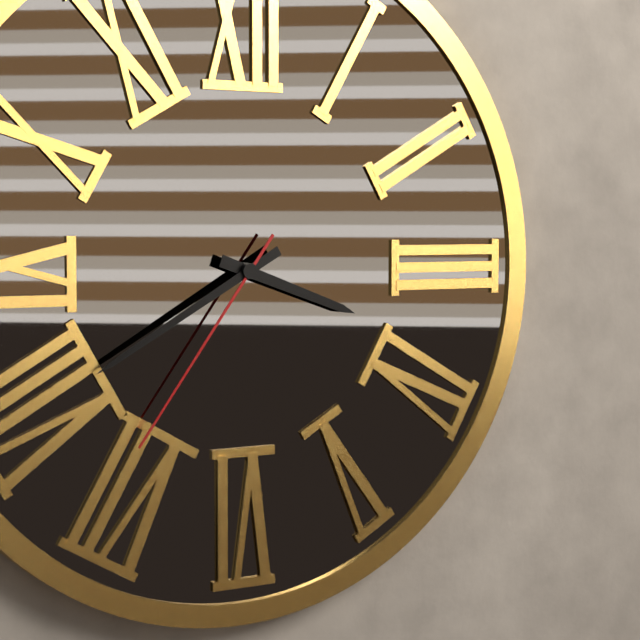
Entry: h=3 m=40 s=36
